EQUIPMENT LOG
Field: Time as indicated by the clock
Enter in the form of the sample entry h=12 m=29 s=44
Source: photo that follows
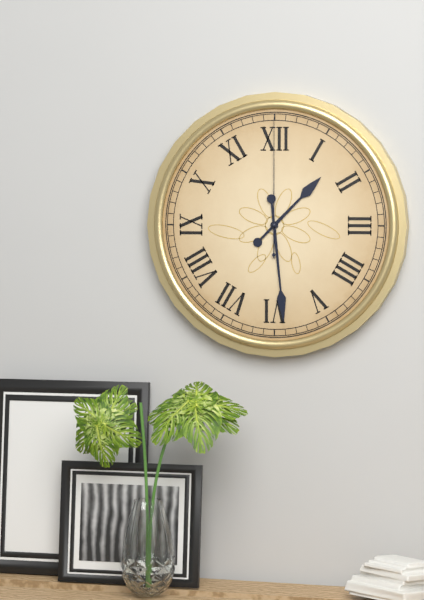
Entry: h=1 m=29 s=0
